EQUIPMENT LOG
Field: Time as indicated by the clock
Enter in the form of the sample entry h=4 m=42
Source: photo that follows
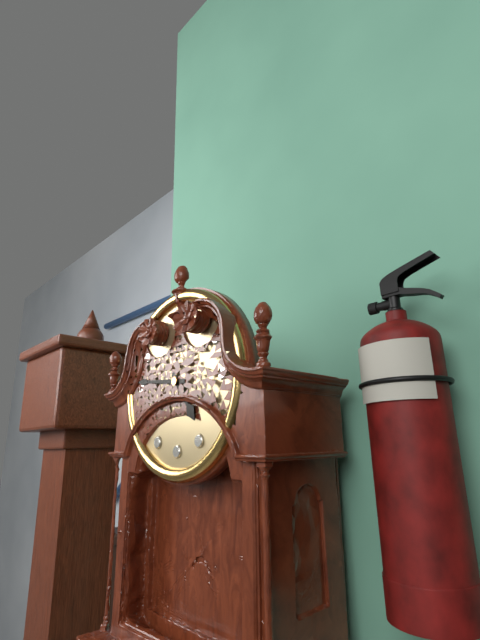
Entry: h=4 m=46
